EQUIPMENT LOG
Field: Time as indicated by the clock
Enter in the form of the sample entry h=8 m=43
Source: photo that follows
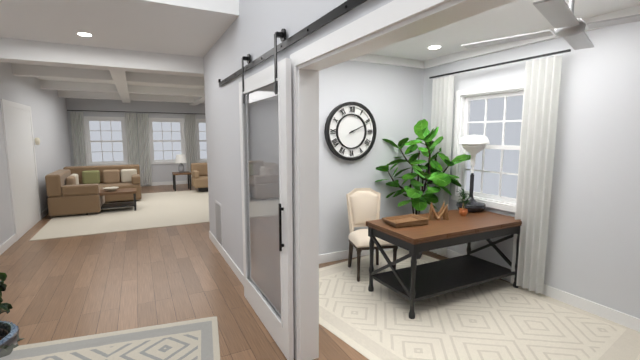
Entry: h=2 m=11
